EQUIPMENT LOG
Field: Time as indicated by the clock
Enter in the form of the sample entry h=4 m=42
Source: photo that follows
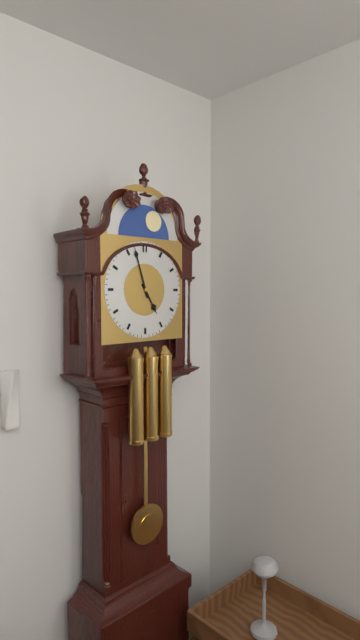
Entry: h=4 m=57
